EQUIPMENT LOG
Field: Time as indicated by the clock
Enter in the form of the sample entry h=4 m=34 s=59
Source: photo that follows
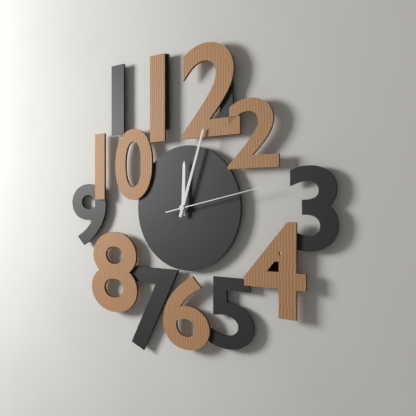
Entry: h=12 m=3 s=13
